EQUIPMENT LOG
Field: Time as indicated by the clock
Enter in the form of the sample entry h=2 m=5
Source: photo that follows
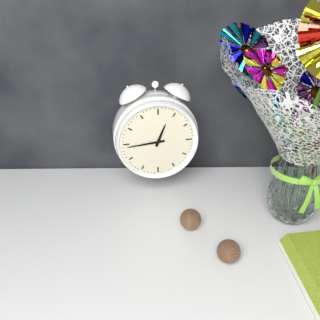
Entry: h=12 m=44
